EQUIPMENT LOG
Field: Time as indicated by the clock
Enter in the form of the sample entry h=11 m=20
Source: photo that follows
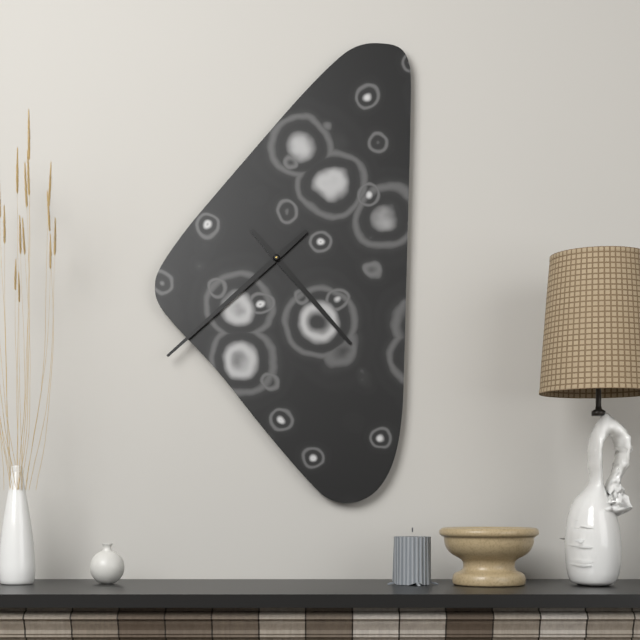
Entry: h=4 m=38
